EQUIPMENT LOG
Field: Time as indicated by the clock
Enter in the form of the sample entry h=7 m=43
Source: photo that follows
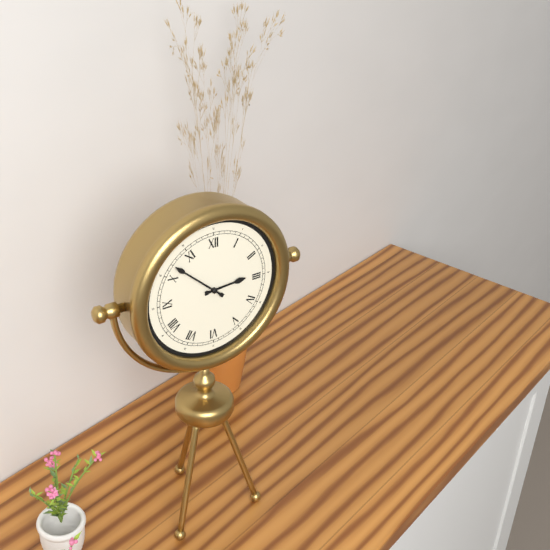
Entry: h=2 m=52
